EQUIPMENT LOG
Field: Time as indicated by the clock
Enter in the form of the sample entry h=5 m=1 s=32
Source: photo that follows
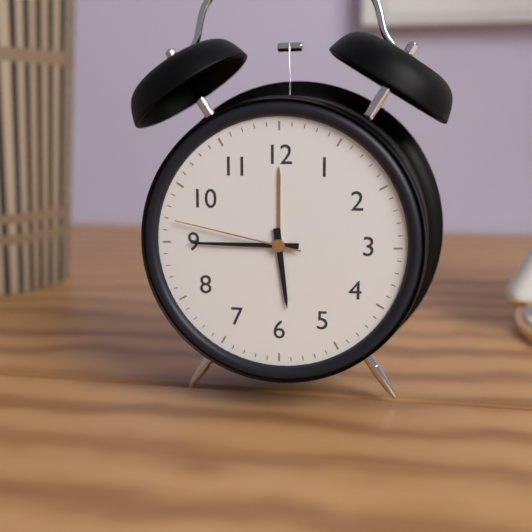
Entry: h=5 m=45 s=47
